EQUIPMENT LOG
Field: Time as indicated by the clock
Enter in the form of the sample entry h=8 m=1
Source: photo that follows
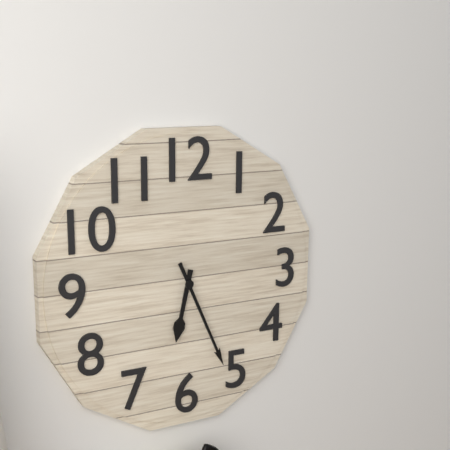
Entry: h=6 m=26
